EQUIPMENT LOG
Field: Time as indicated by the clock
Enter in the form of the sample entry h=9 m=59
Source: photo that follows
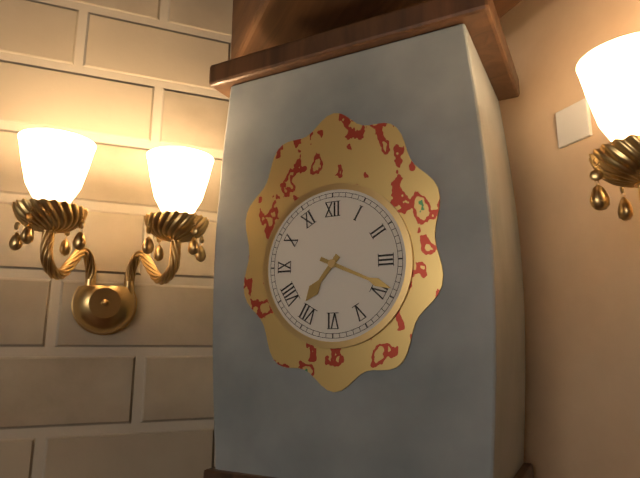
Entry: h=7 m=19
